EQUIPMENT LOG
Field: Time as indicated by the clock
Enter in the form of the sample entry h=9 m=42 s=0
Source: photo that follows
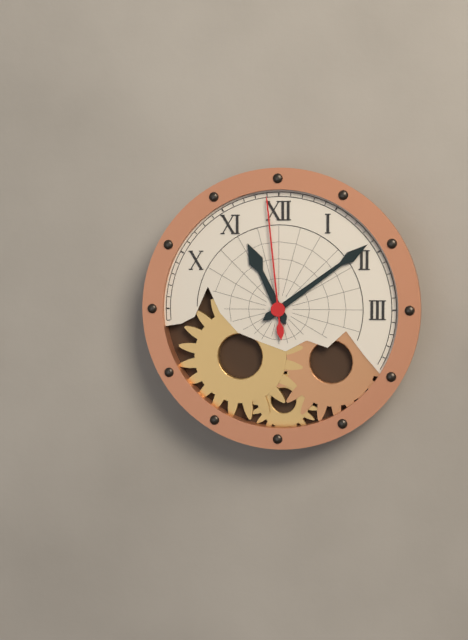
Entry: h=11 m=9 s=59
